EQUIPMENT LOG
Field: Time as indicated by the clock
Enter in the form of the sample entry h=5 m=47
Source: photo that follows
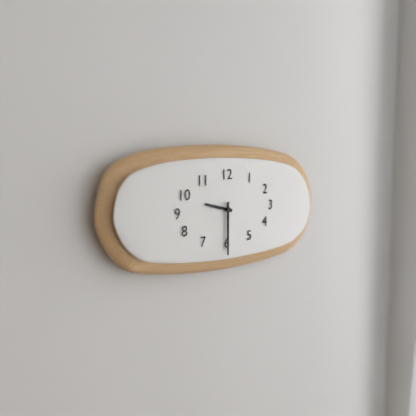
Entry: h=9 m=30
